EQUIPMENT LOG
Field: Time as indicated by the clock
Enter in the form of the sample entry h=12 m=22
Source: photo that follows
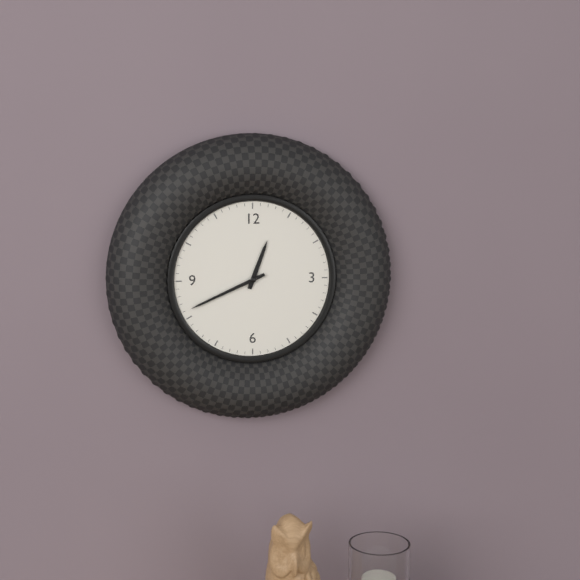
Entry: h=12 m=41
